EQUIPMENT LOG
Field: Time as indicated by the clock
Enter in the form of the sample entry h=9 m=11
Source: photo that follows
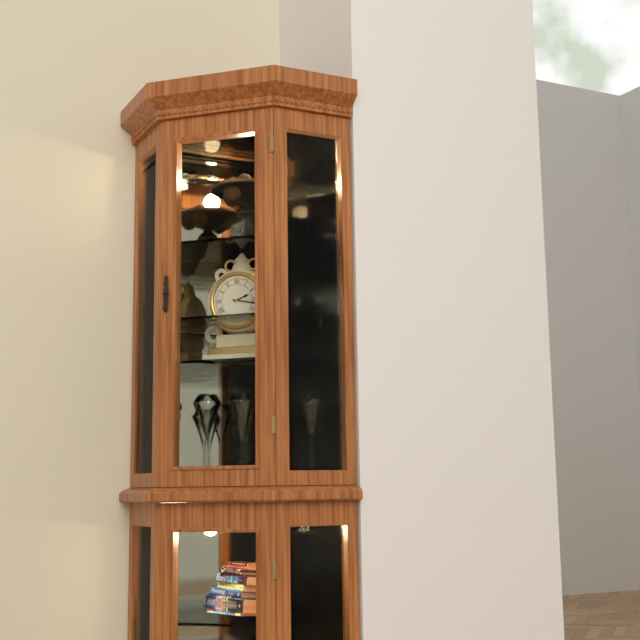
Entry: h=2 m=17
